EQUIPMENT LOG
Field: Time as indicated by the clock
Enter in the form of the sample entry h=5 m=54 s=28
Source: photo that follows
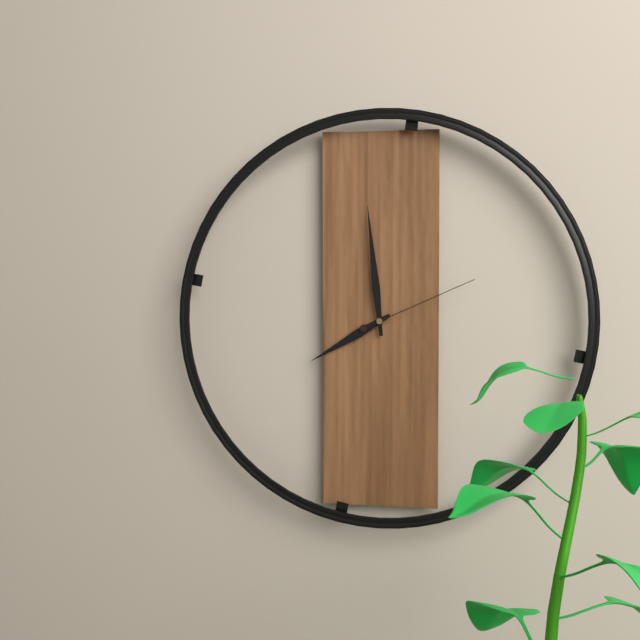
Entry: h=7 m=59 s=11
